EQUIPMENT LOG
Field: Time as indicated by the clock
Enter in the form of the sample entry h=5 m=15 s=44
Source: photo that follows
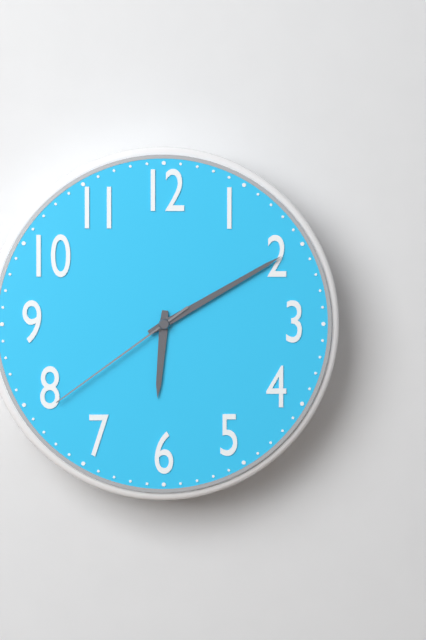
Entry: h=6 m=10 s=39
